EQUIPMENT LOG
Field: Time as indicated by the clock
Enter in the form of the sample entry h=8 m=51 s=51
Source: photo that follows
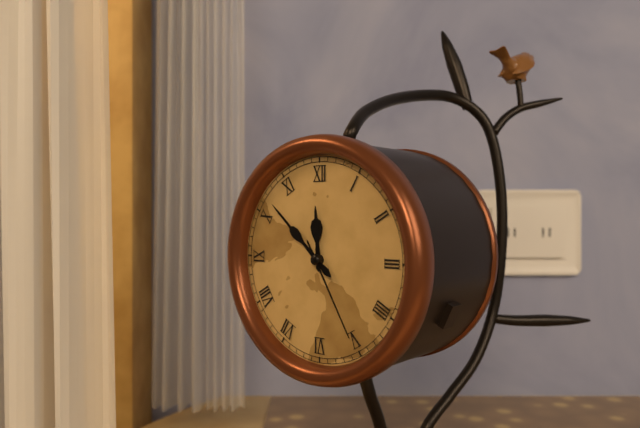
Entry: h=11 m=52 s=25
